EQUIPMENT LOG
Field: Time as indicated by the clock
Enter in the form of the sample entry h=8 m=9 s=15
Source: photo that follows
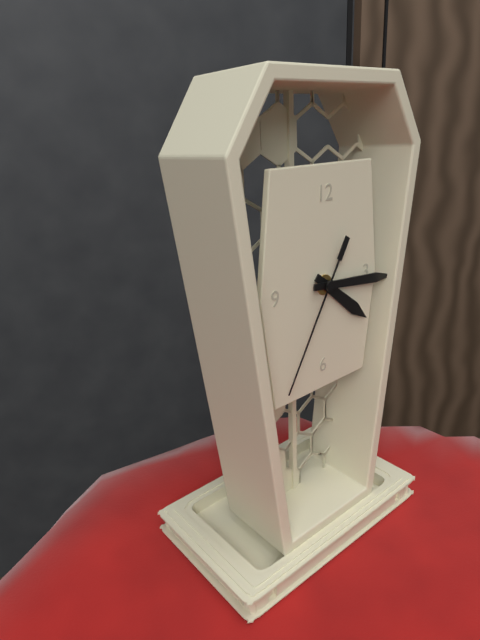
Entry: h=4 m=16 s=35
